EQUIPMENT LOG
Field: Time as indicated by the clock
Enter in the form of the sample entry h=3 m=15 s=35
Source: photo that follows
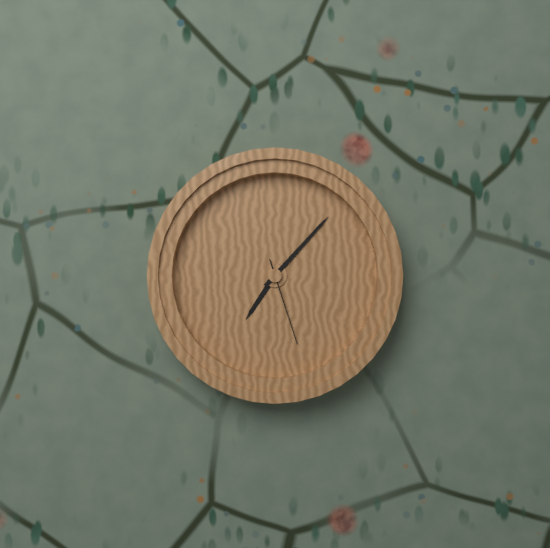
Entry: h=7 m=7 s=27
